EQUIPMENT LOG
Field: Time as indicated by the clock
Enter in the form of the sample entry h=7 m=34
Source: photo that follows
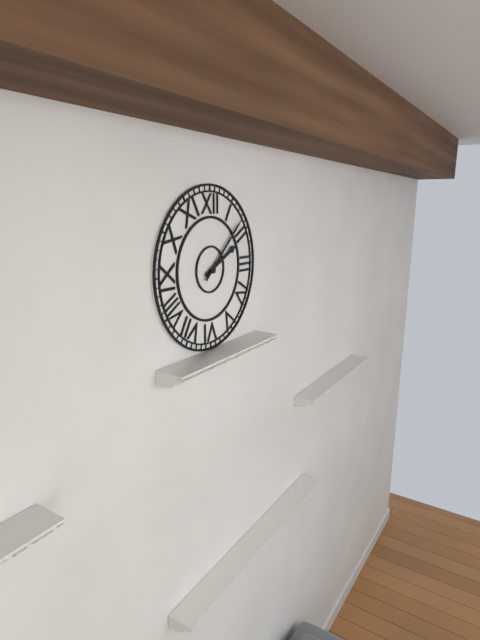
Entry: h=2 m=8
